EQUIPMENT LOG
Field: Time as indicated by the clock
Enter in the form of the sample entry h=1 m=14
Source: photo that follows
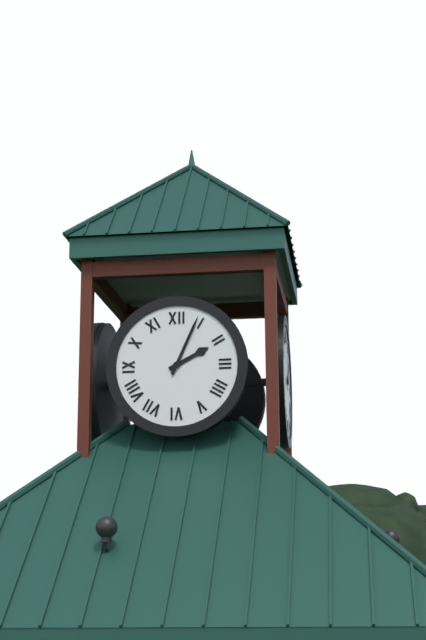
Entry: h=2 m=4
